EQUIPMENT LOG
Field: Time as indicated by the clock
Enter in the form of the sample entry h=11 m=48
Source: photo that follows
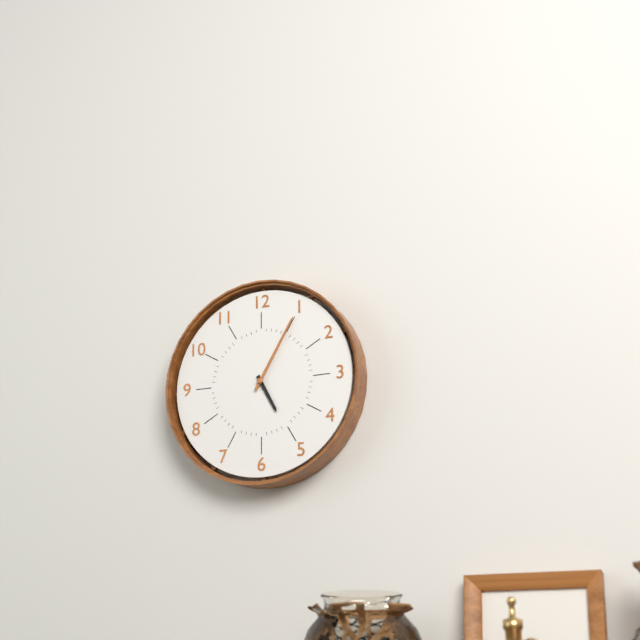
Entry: h=5 m=5
